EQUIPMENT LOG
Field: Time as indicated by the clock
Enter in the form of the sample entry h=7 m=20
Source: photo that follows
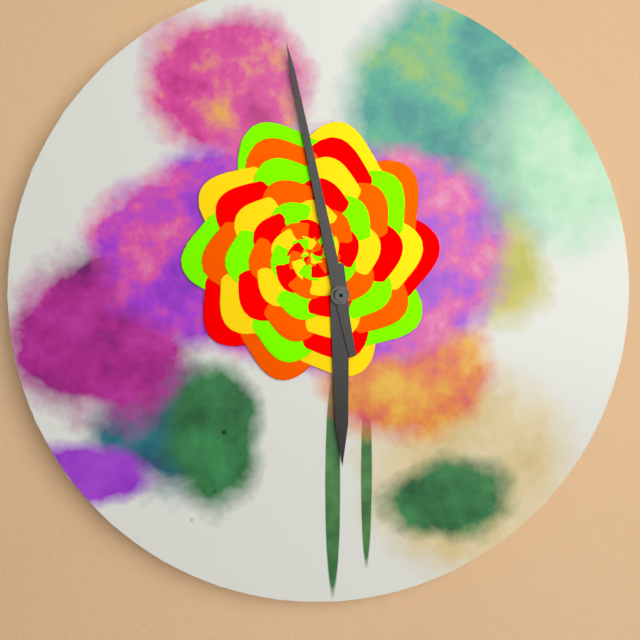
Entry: h=5 m=58
